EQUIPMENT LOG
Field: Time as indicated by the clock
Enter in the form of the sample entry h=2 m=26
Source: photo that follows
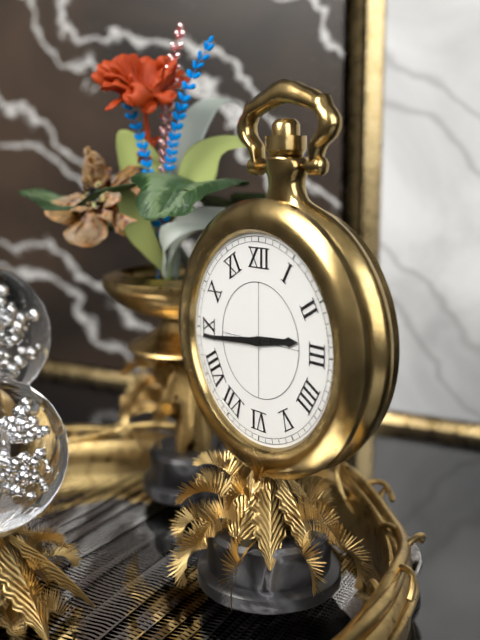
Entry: h=2 m=44
